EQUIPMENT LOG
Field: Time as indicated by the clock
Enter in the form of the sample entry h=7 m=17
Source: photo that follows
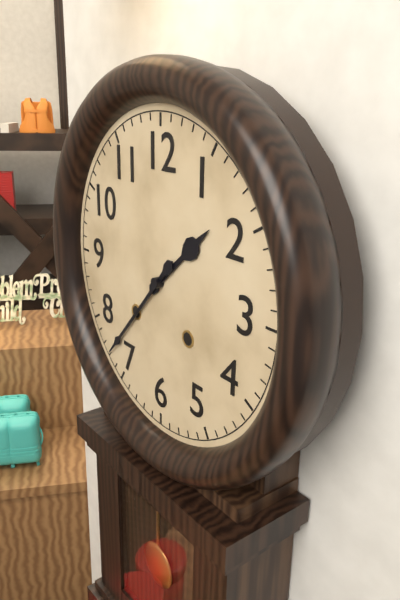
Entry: h=1 m=37
